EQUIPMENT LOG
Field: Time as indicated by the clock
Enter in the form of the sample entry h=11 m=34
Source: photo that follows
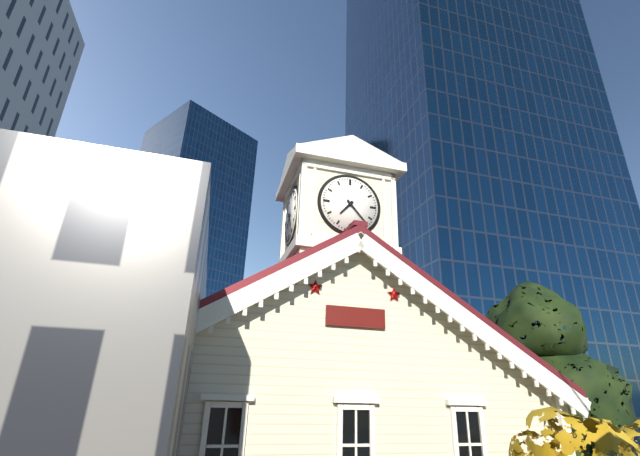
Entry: h=7 m=23
